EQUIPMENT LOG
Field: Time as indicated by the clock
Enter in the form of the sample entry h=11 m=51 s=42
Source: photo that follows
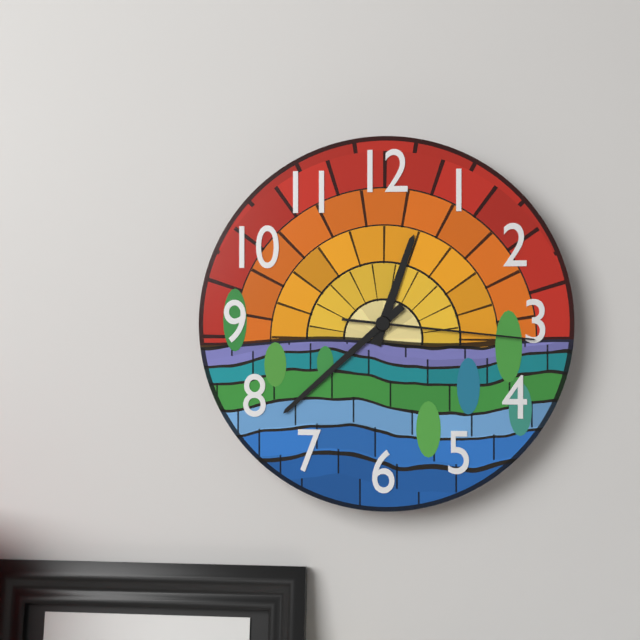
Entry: h=12 m=38 s=16
